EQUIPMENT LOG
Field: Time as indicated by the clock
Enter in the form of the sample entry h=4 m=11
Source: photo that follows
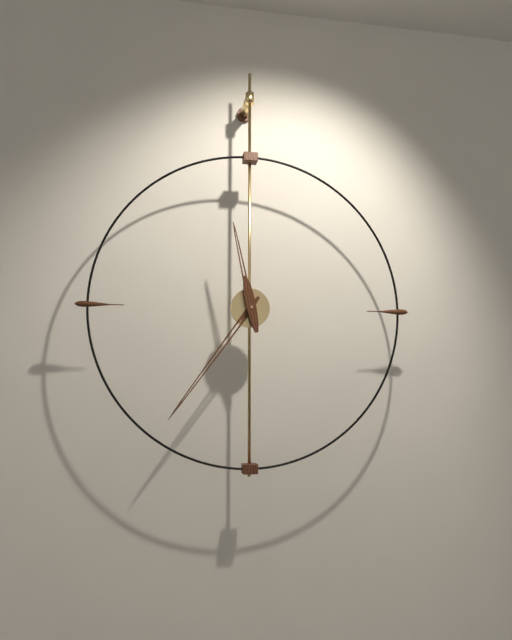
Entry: h=11 m=36
